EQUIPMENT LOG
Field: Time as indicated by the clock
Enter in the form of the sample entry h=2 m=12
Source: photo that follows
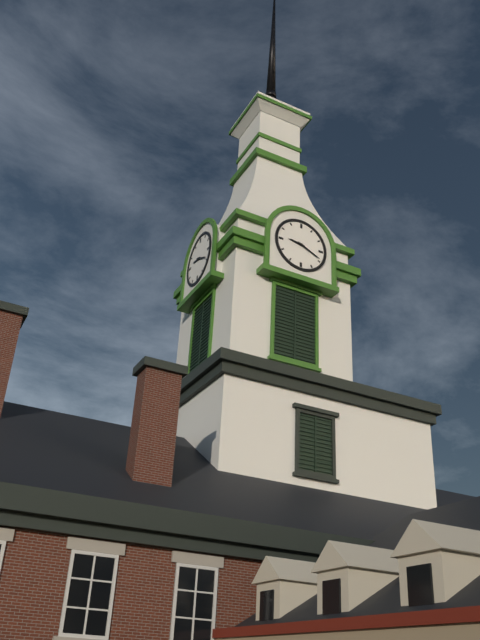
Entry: h=9 m=19
